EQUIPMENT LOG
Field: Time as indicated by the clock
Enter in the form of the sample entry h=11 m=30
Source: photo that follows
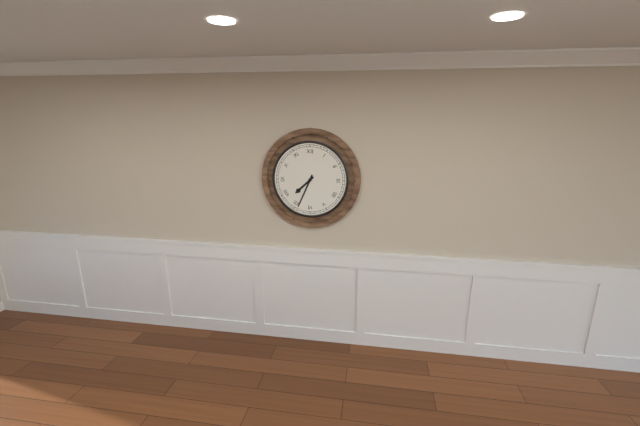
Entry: h=7 m=34
